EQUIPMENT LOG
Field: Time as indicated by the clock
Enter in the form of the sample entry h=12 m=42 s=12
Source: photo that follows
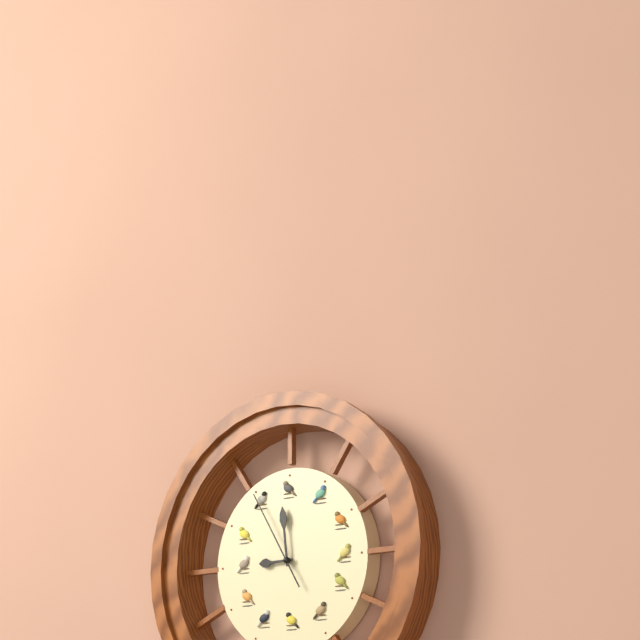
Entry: h=8 m=59 s=55
